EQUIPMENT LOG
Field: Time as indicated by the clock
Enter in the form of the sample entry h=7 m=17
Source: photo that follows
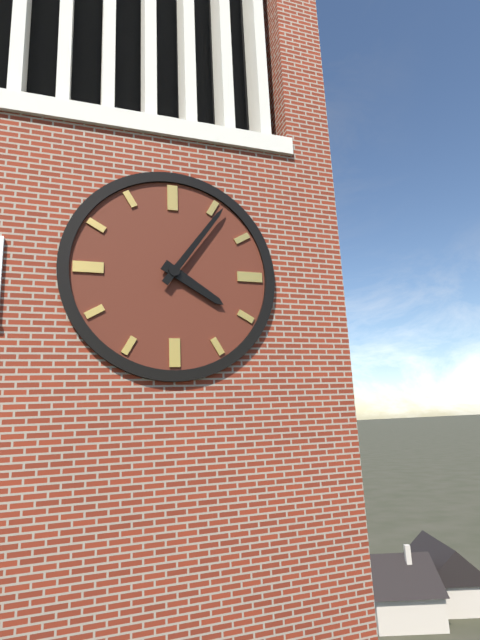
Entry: h=4 m=6
